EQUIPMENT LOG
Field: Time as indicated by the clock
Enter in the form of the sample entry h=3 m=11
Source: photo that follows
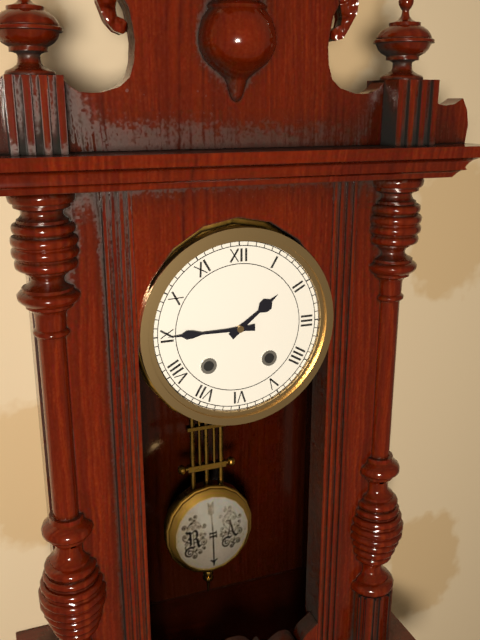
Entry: h=1 m=45
